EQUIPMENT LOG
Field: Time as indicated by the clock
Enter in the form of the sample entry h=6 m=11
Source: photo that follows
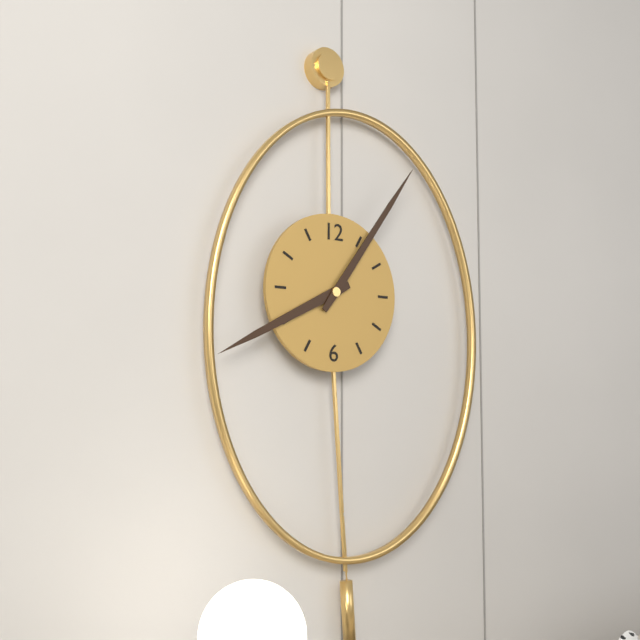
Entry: h=8 m=6
